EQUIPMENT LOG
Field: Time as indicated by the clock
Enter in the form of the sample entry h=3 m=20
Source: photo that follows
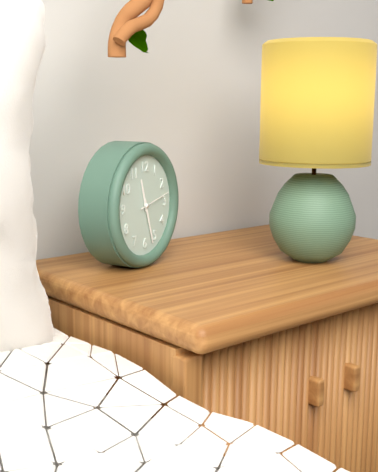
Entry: h=11 m=27
